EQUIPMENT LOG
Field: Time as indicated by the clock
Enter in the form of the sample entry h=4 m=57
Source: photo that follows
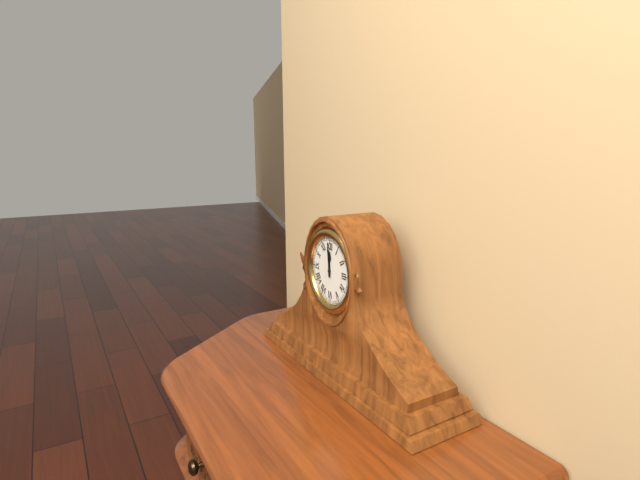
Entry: h=11 m=59
